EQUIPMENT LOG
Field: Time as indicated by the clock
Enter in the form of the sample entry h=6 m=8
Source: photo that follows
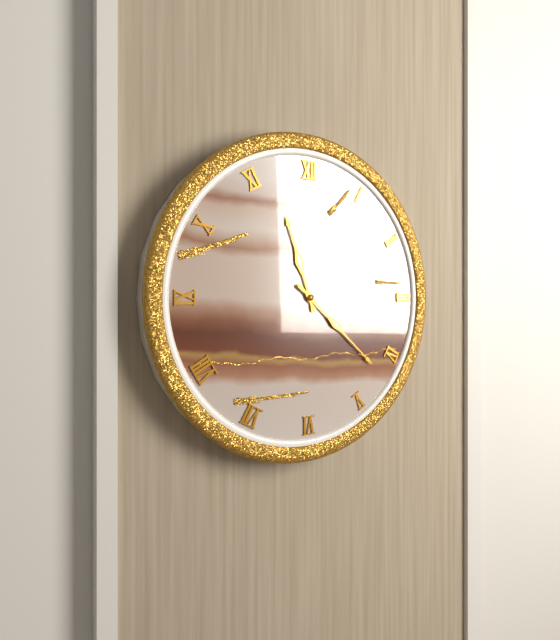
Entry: h=11 m=22
